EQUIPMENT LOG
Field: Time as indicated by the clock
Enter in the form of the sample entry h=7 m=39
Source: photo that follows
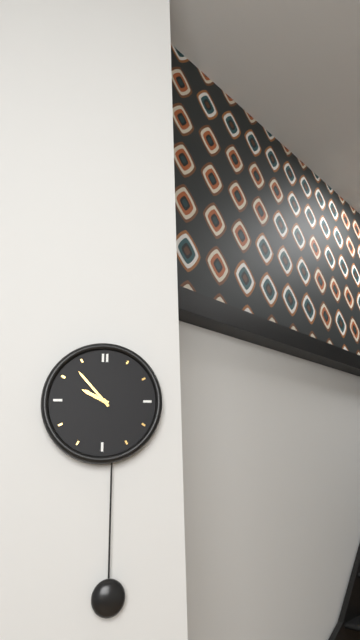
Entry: h=9 m=53
